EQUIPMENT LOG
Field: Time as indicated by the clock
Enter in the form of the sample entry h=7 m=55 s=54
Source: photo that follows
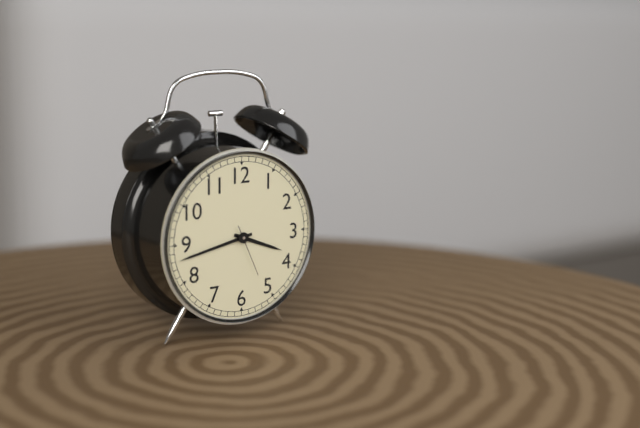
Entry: h=3 m=43 s=26
